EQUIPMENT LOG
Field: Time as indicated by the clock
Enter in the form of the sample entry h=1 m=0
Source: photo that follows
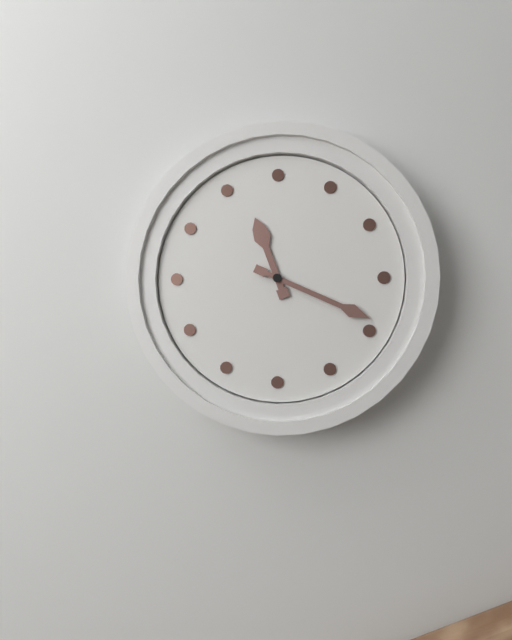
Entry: h=11 m=19
